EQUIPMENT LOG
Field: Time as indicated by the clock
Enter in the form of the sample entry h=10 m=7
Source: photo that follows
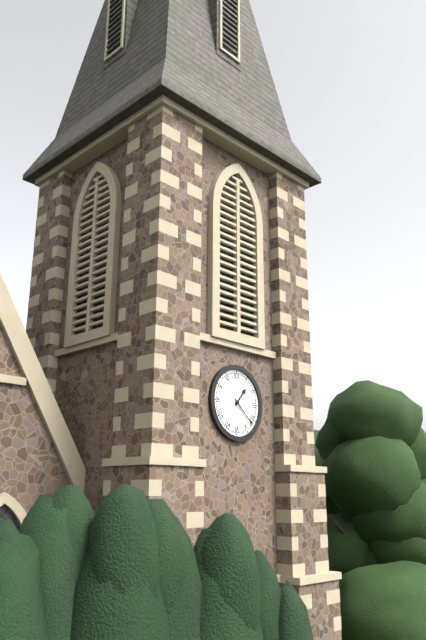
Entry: h=1 m=22
